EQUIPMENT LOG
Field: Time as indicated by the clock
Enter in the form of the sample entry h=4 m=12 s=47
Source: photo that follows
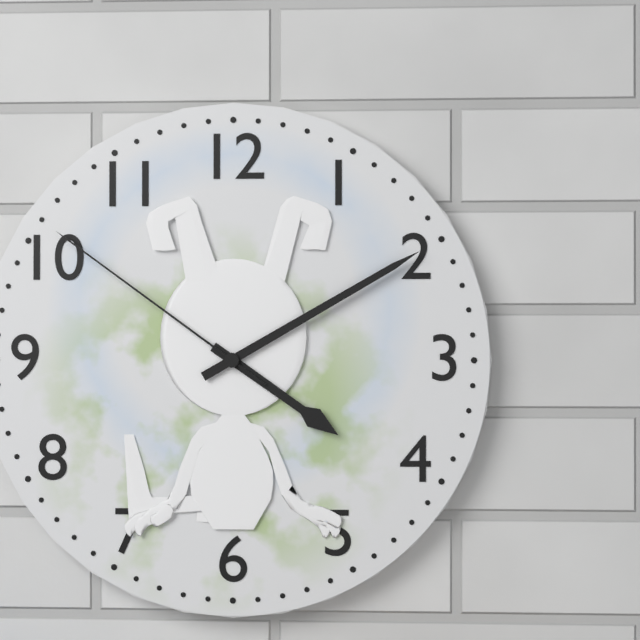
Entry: h=4 m=10 s=51
